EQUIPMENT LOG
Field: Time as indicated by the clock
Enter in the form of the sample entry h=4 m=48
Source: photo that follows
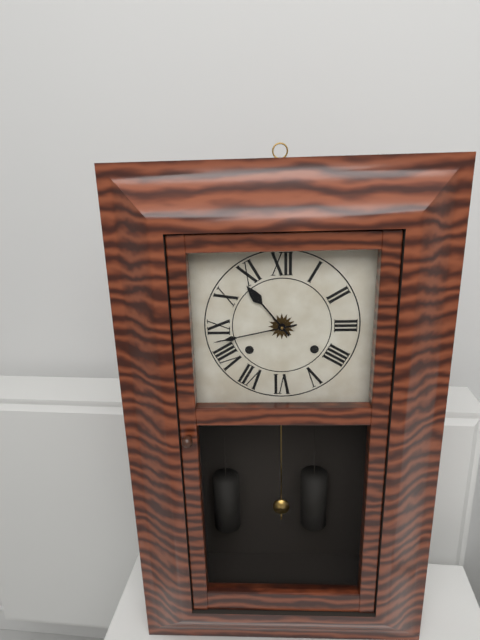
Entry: h=10 m=43
